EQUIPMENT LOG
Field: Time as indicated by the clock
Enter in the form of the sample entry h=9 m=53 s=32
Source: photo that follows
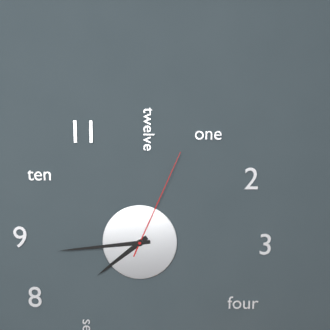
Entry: h=7 m=44 s=4
